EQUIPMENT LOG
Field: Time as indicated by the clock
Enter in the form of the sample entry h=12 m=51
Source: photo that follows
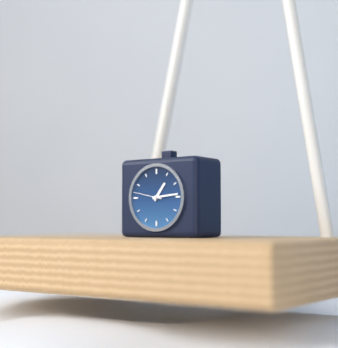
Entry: h=1 m=14
